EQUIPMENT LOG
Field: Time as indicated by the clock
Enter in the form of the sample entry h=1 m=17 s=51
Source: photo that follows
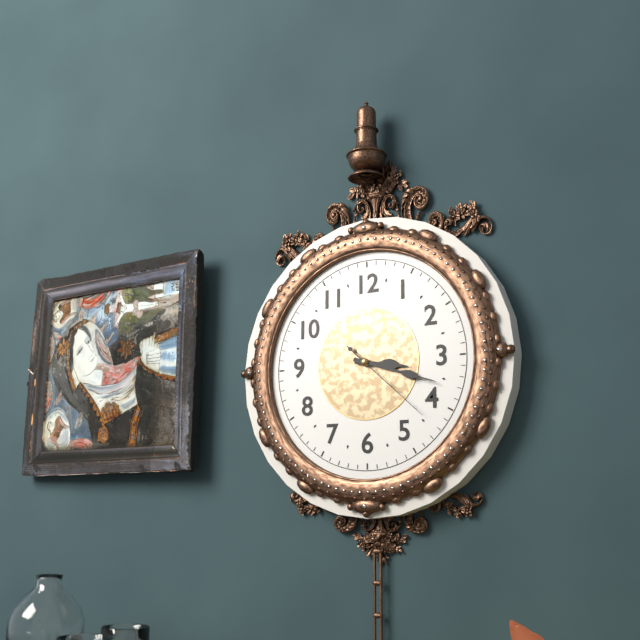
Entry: h=3 m=18 s=22
